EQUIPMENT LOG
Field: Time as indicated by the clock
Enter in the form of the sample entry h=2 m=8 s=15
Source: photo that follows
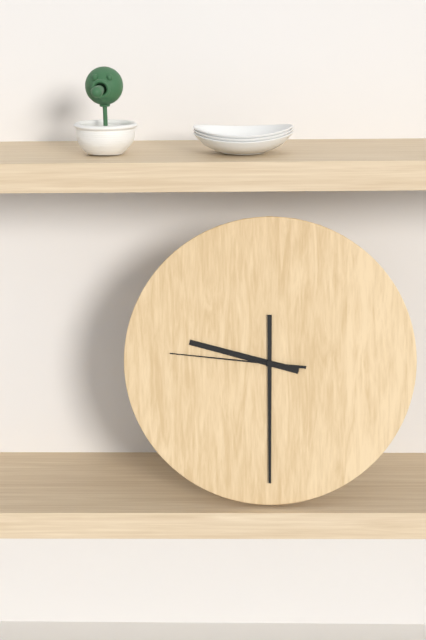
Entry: h=9 m=30 s=46
